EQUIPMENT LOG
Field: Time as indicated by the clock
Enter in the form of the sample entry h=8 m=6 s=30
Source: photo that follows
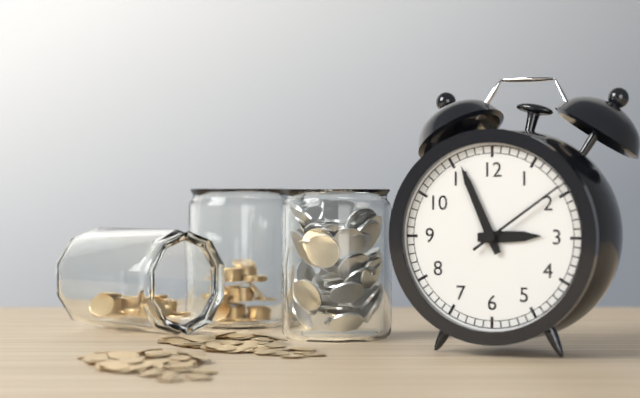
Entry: h=2 m=56 s=9
